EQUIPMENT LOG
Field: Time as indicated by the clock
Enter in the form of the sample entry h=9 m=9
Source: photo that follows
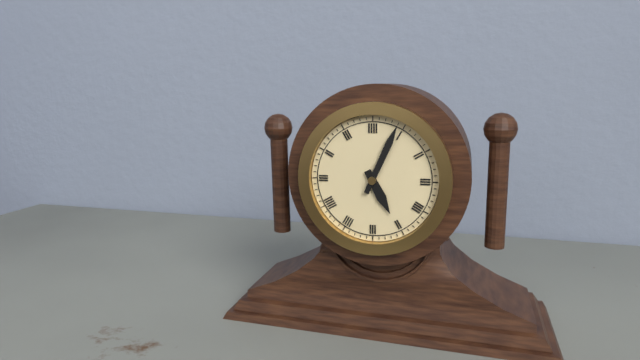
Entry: h=5 m=4
